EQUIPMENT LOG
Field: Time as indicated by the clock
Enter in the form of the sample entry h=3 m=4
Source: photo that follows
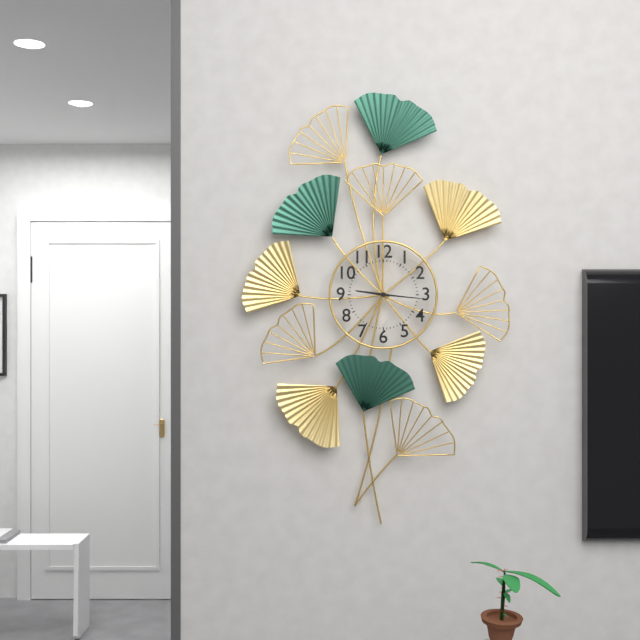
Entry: h=9 m=16
